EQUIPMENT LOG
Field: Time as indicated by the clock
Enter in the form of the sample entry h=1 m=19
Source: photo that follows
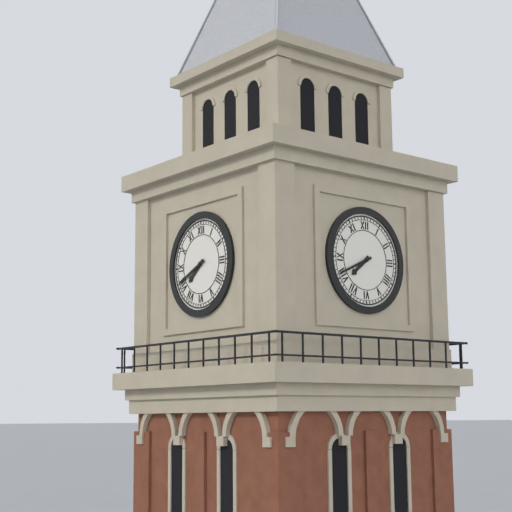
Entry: h=7 m=41
